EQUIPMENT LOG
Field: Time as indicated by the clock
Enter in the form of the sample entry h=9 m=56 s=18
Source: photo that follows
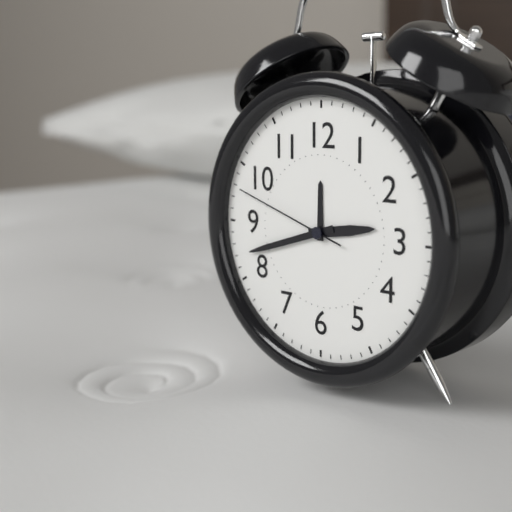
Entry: h=2 m=42 s=48
